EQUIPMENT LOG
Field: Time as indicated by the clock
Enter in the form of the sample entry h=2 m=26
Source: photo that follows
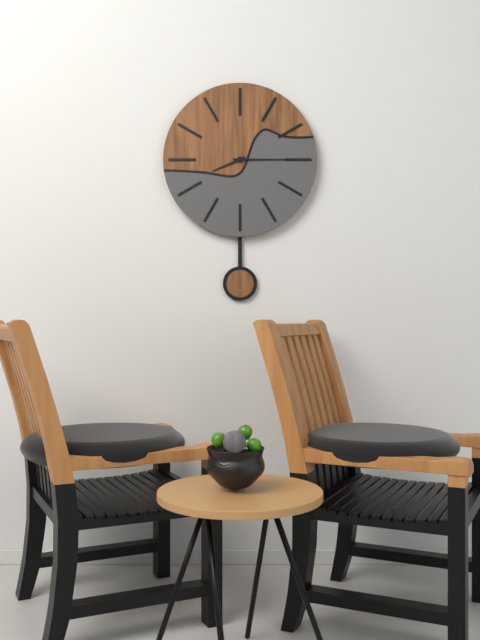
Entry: h=8 m=15
